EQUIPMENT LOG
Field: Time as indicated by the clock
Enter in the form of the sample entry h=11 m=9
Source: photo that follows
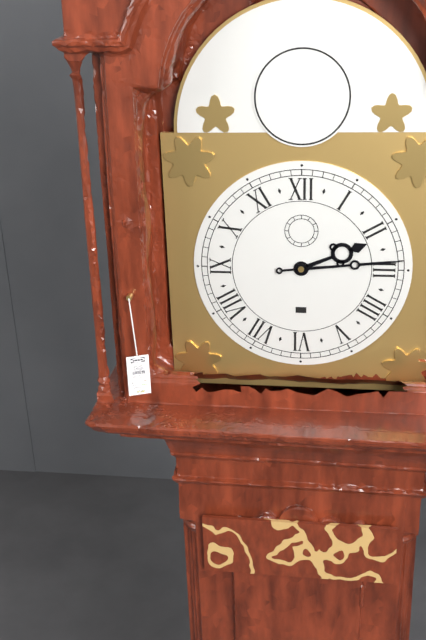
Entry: h=2 m=14
